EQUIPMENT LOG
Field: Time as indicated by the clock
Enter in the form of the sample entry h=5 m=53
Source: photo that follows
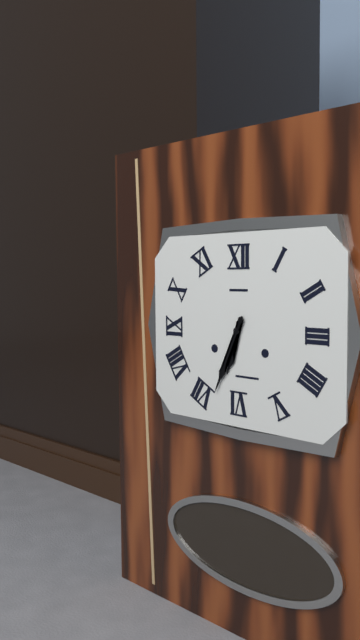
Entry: h=6 m=34
